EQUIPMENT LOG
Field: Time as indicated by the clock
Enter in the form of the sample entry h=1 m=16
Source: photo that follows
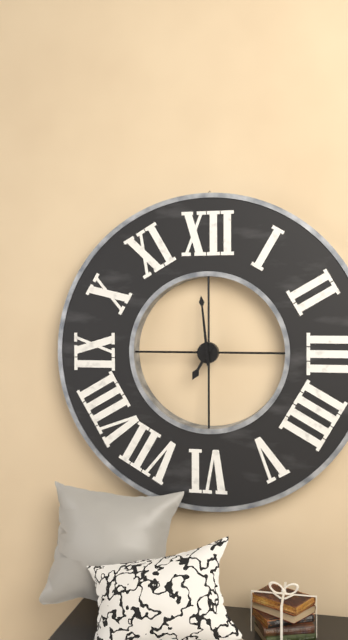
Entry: h=6 m=59
